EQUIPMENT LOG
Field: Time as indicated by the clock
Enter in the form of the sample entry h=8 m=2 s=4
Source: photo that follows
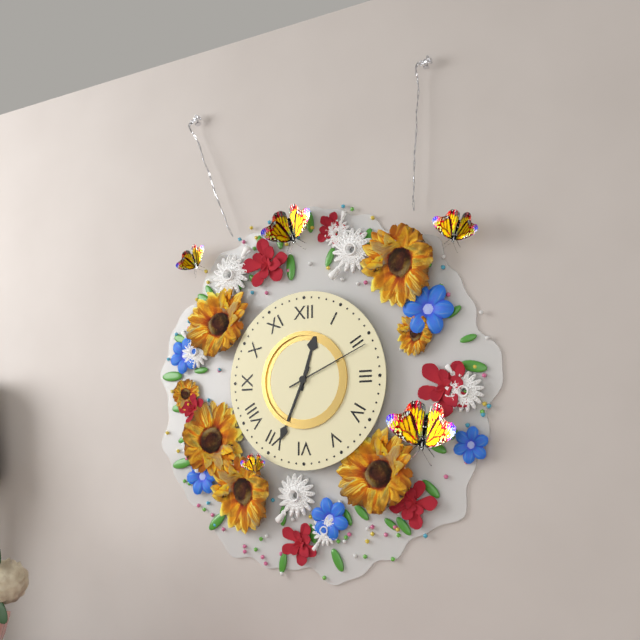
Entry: h=12 m=34 s=11
